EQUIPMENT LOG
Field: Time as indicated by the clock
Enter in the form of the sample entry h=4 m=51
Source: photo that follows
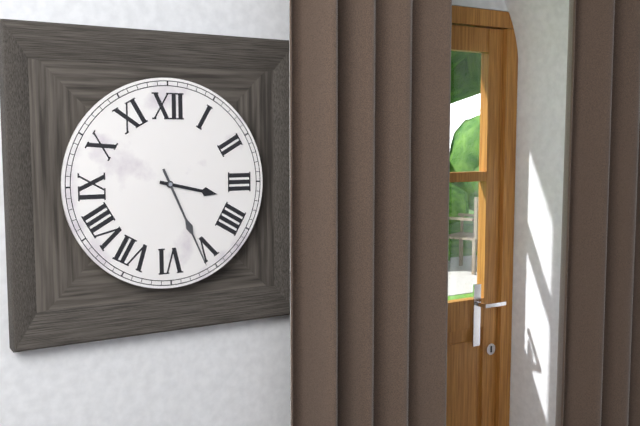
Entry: h=3 m=26
